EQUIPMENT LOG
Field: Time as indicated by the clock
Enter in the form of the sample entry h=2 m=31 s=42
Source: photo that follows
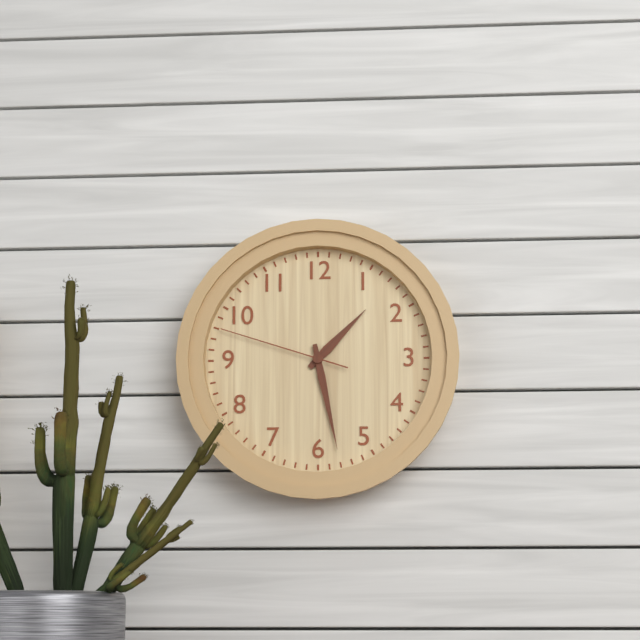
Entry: h=1 m=28 s=48
